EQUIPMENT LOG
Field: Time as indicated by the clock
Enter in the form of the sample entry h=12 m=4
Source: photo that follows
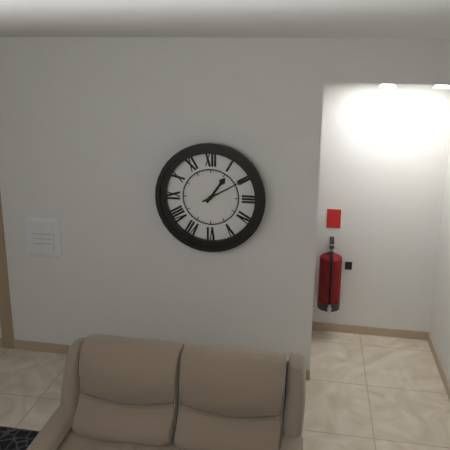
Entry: h=1 m=10
